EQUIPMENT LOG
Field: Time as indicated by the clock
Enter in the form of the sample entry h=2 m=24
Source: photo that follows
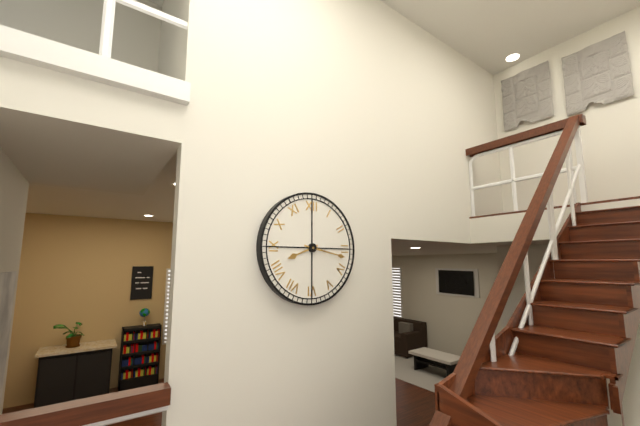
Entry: h=8 m=17
